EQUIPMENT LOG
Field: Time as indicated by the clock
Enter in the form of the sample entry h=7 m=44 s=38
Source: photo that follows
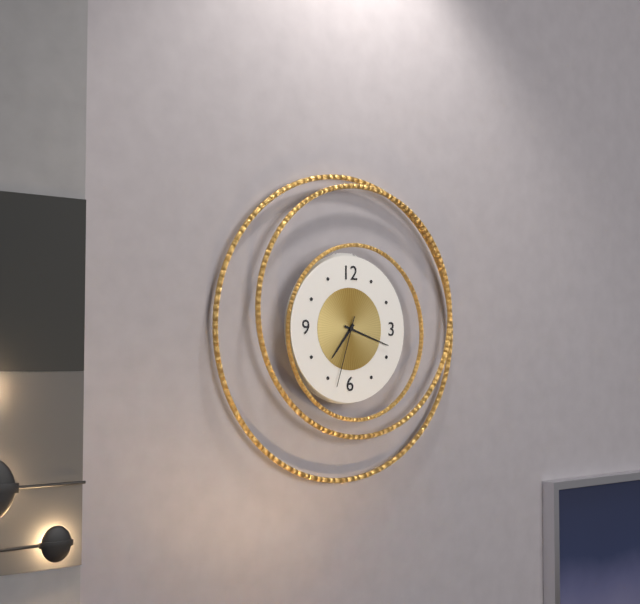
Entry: h=7 m=18 s=33
